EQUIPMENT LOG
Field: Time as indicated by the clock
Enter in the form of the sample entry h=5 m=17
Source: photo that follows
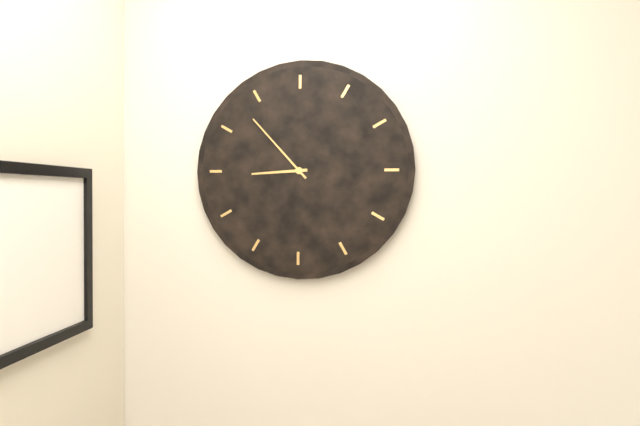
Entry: h=8 m=53
